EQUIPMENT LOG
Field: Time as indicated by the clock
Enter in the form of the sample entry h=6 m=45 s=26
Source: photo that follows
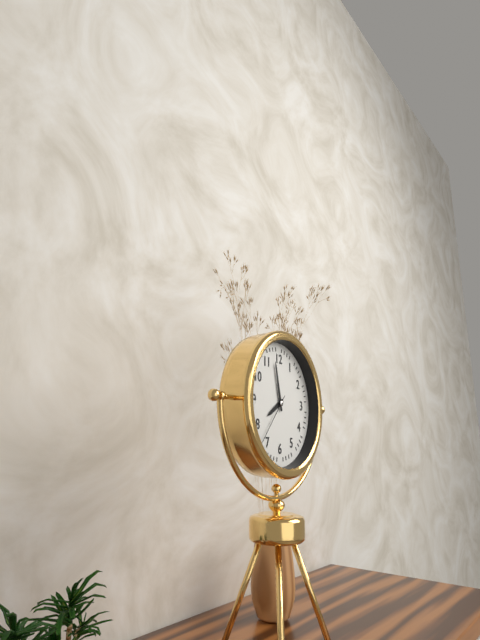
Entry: h=7 m=58 s=37
